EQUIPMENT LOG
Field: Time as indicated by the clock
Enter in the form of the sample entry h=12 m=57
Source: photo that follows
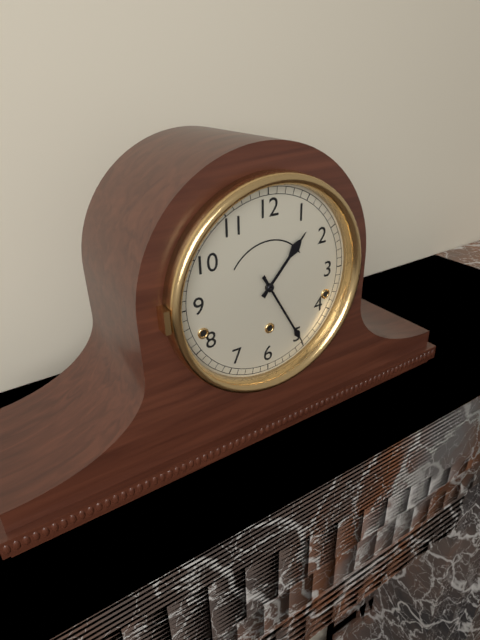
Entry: h=1 m=25
